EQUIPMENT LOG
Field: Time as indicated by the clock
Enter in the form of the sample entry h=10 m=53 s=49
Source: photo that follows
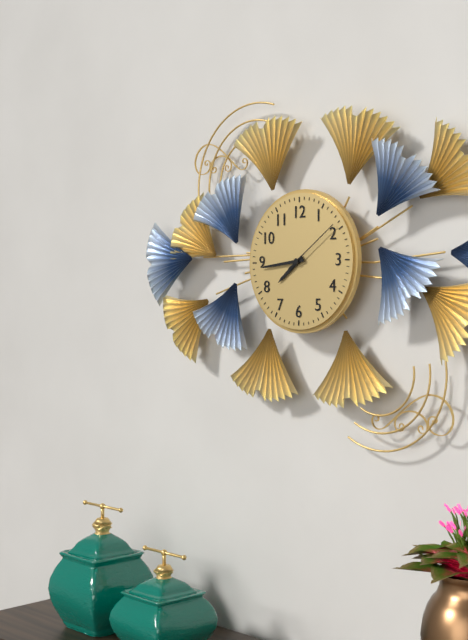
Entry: h=7 m=44 s=9
